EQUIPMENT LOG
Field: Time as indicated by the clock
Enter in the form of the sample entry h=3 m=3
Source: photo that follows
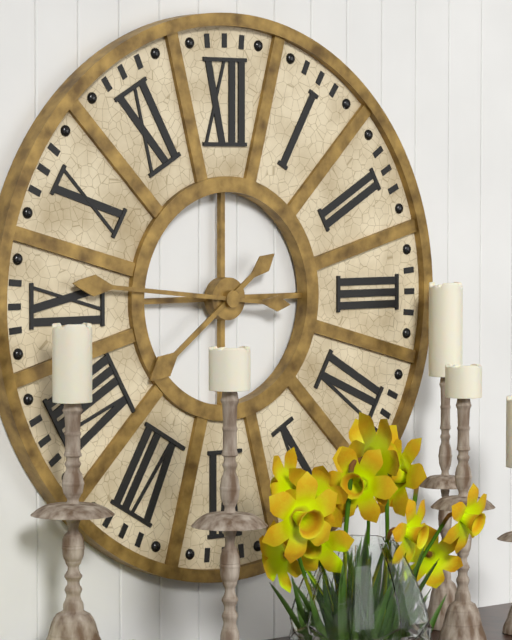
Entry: h=7 m=46
